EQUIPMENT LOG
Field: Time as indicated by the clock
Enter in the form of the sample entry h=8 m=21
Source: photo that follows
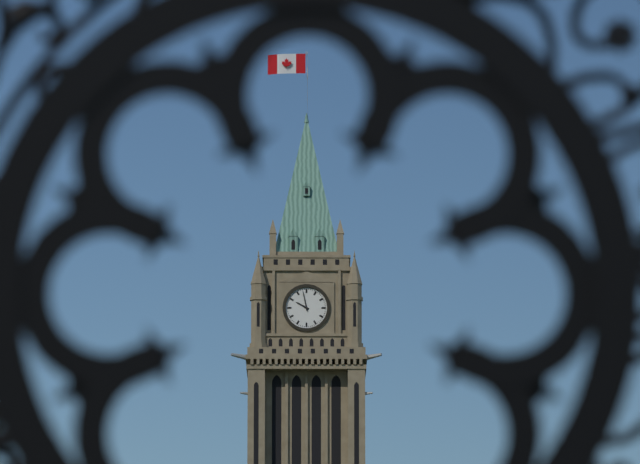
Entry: h=9 m=58
